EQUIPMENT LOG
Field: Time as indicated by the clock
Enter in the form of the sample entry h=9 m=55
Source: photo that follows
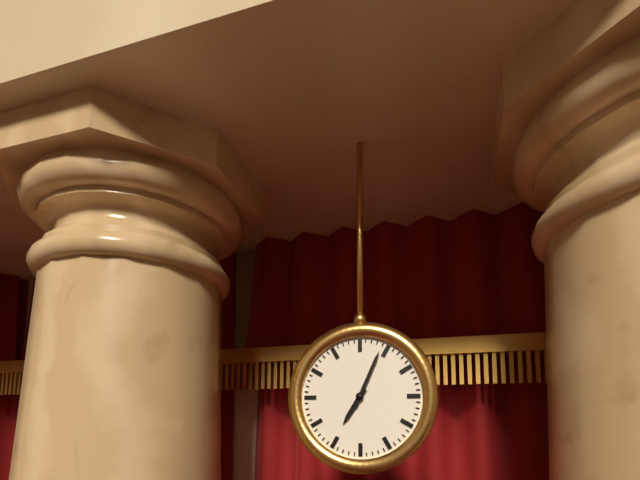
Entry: h=7 m=4
